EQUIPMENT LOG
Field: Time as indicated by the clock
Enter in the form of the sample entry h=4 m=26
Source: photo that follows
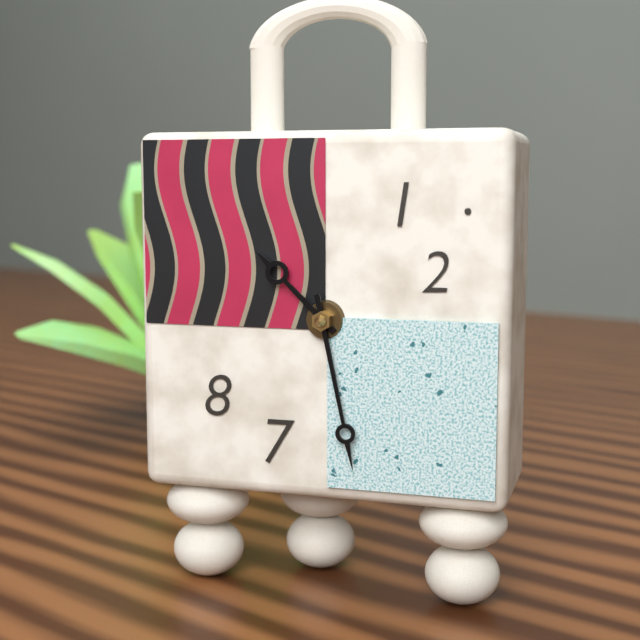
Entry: h=10 m=28
